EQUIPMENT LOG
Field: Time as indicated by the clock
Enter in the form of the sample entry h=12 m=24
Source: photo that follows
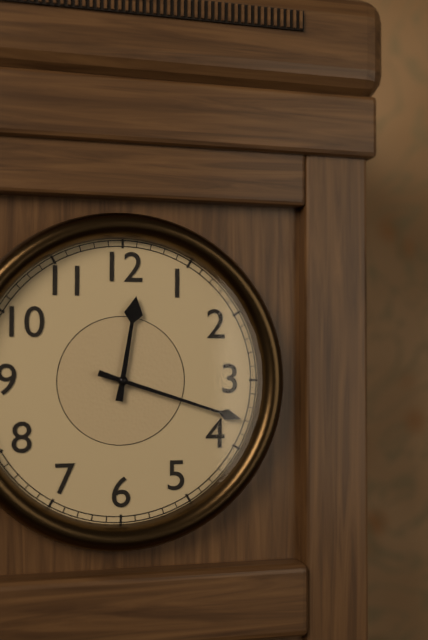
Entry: h=12 m=18
